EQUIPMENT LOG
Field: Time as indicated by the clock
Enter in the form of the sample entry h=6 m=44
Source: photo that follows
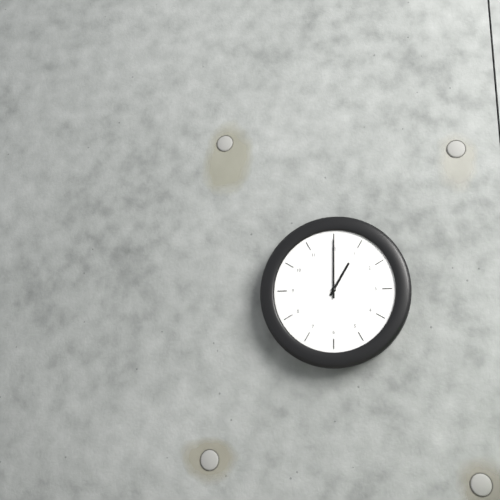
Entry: h=1 m=0
